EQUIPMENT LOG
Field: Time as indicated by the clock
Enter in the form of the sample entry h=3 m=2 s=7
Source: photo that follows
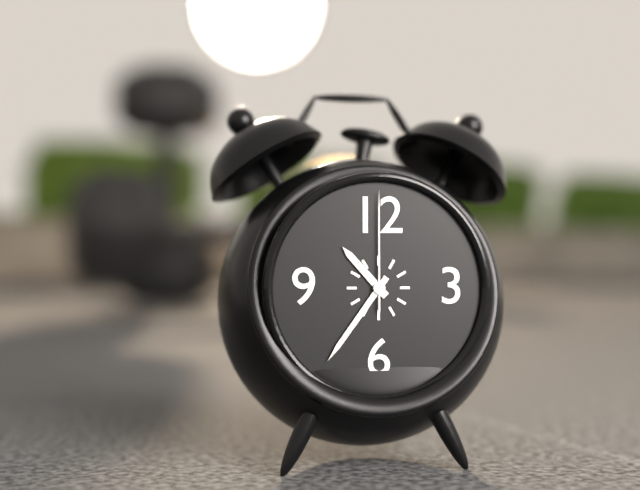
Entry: h=10 m=36 s=0
